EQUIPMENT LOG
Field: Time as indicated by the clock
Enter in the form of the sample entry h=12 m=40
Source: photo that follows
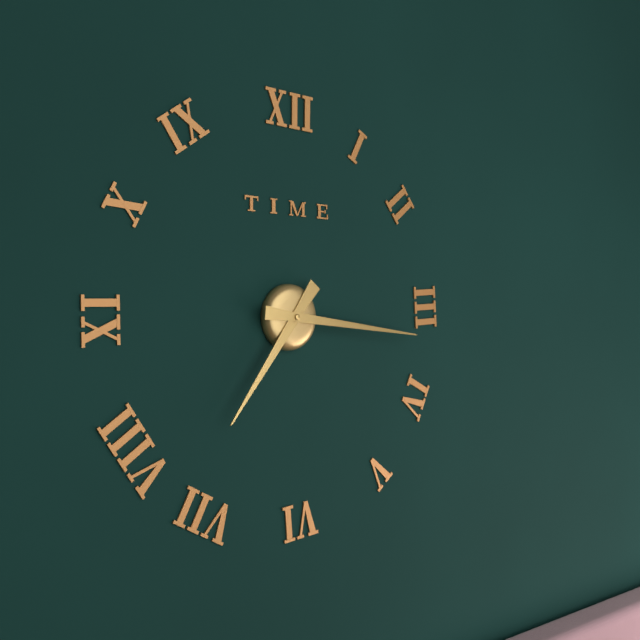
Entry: h=7 m=16
